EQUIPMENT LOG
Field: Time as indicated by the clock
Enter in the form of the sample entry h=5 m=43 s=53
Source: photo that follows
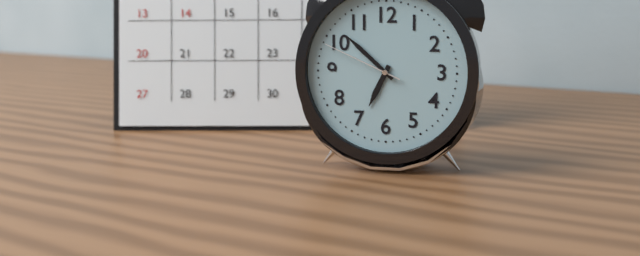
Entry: h=6 m=52 s=49
